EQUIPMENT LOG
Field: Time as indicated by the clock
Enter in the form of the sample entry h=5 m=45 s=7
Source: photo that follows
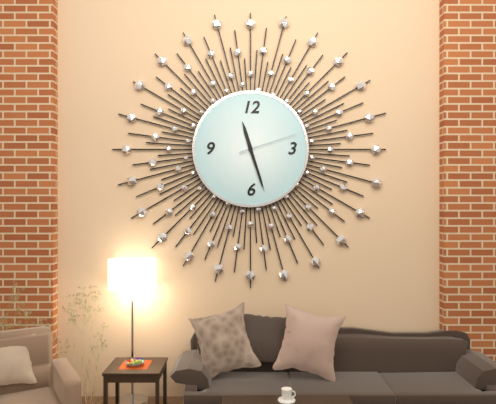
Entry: h=11 m=27 s=12
